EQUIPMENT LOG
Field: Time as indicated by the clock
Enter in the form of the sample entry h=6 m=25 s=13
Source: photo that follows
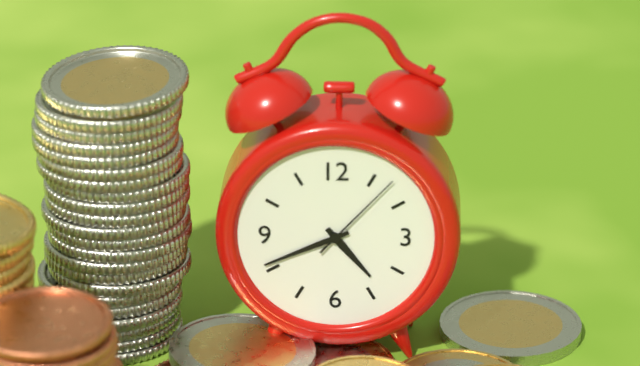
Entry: h=4 m=41 s=7
